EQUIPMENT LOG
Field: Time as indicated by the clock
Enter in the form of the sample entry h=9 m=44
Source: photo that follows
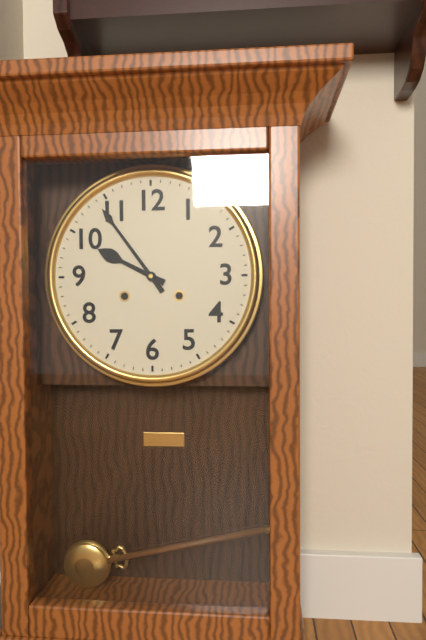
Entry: h=9 m=54
